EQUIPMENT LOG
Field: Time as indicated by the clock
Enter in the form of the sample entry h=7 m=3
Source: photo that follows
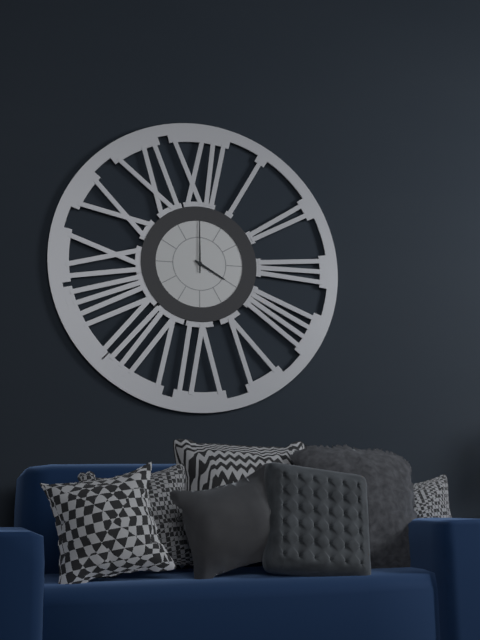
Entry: h=4 m=0
